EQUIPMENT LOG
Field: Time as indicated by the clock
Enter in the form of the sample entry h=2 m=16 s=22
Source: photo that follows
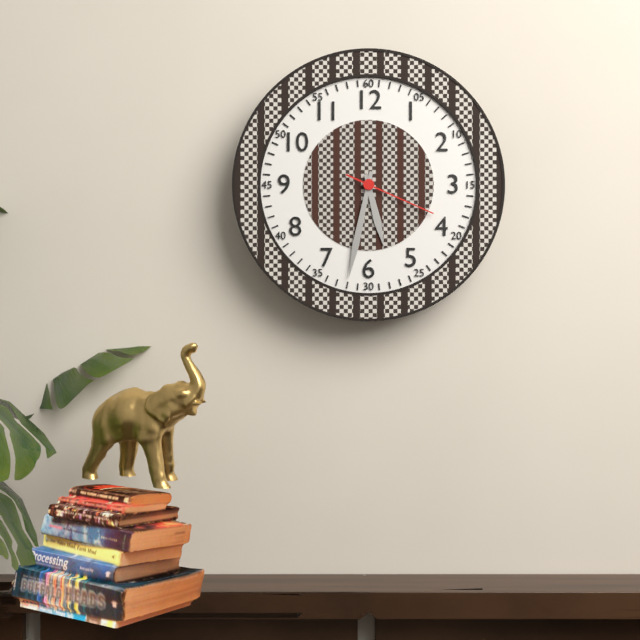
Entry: h=5 m=32 s=19
